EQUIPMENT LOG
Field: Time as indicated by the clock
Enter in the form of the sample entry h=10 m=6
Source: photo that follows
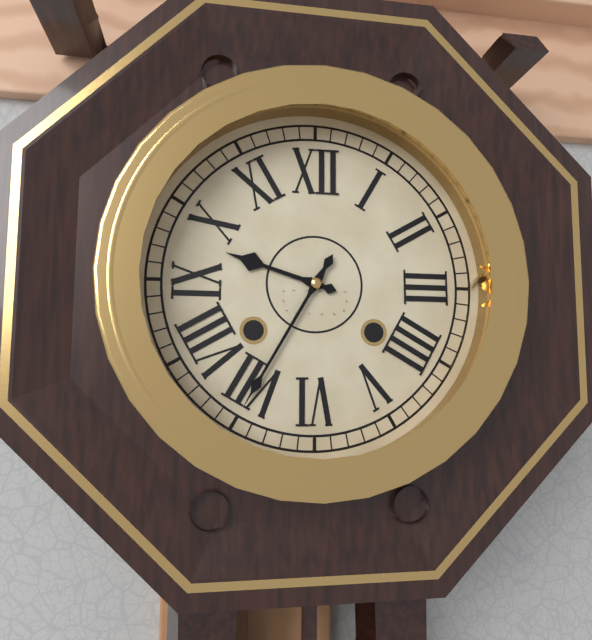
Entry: h=9 m=35
